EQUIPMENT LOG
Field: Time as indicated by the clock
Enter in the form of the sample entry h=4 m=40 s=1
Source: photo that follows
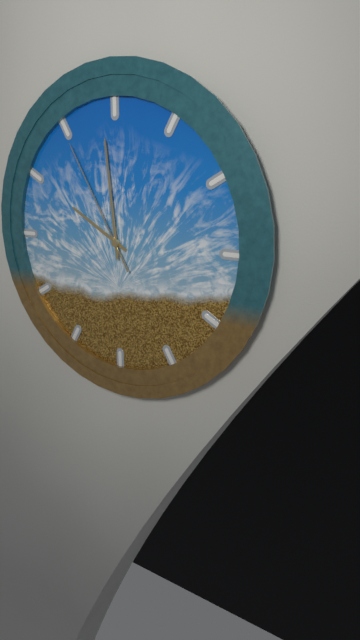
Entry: h=9 m=59 s=55
